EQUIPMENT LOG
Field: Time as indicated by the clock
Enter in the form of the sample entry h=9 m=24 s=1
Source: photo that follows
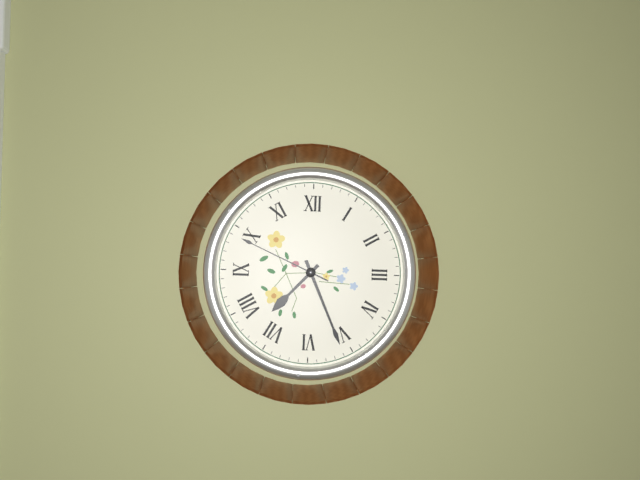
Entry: h=7 m=26 s=49
